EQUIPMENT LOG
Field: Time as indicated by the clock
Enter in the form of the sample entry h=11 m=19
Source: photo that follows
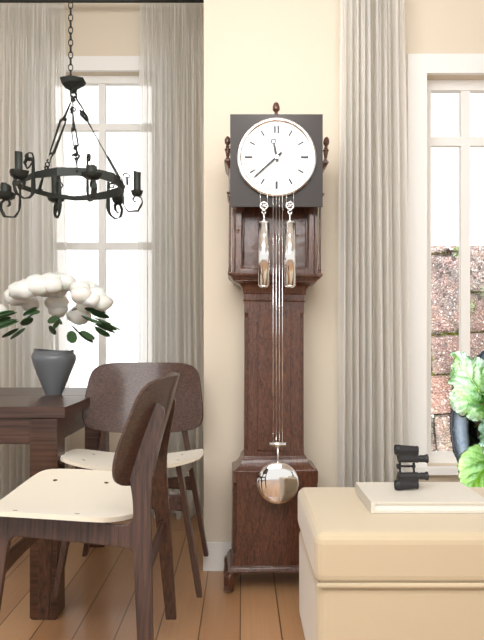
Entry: h=11 m=38
